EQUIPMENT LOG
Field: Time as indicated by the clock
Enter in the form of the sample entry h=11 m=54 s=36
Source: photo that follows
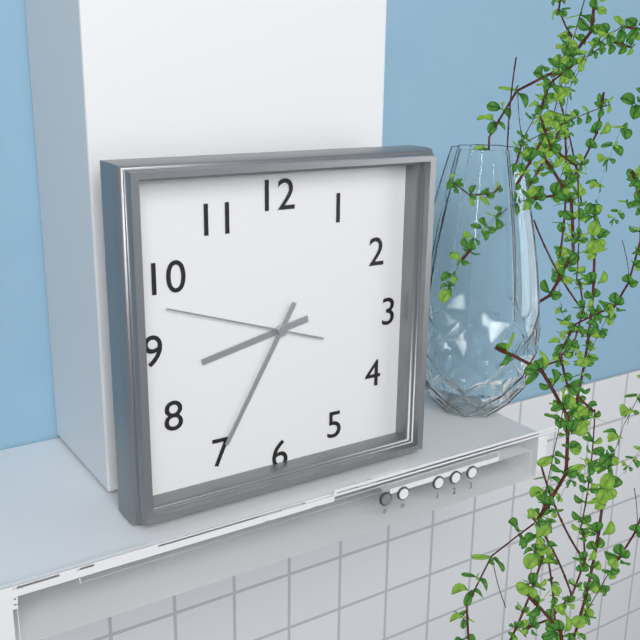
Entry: h=8 m=35 s=48
